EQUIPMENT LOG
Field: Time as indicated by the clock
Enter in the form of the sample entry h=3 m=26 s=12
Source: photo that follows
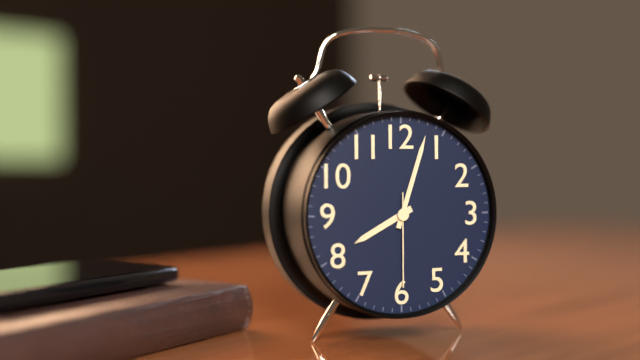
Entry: h=8 m=3 s=30
